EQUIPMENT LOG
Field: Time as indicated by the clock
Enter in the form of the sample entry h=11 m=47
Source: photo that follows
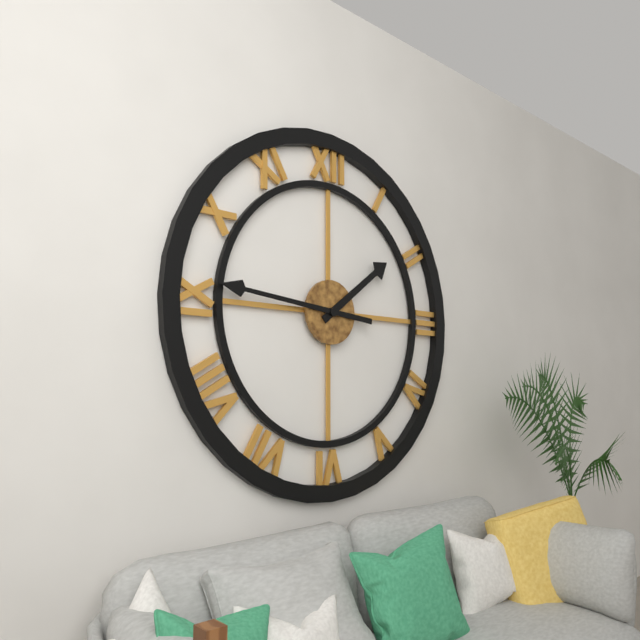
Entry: h=1 m=46
